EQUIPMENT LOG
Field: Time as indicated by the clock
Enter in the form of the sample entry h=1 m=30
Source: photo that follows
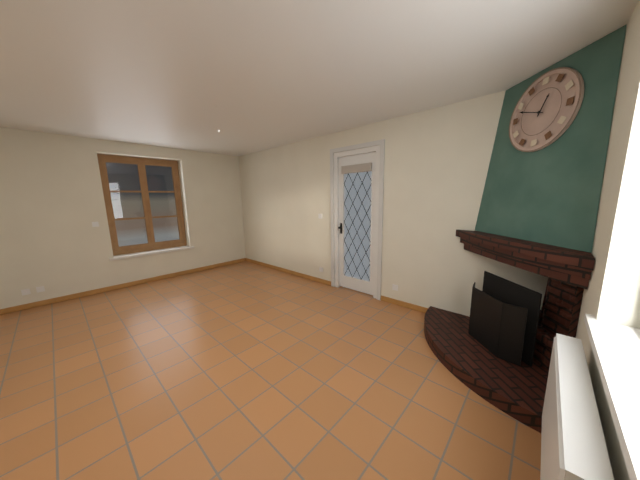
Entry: h=12 m=48
